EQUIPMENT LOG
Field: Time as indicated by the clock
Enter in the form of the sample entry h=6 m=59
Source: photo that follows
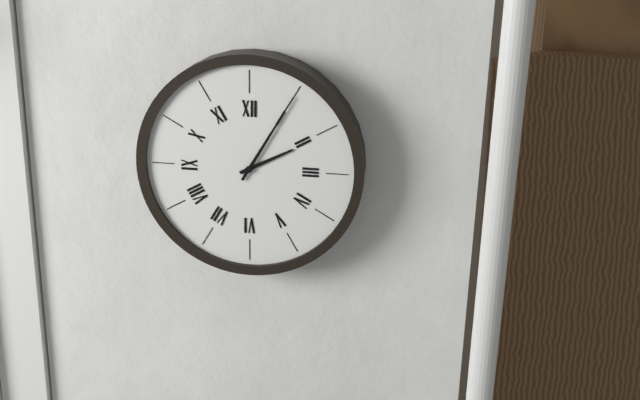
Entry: h=2 m=5
